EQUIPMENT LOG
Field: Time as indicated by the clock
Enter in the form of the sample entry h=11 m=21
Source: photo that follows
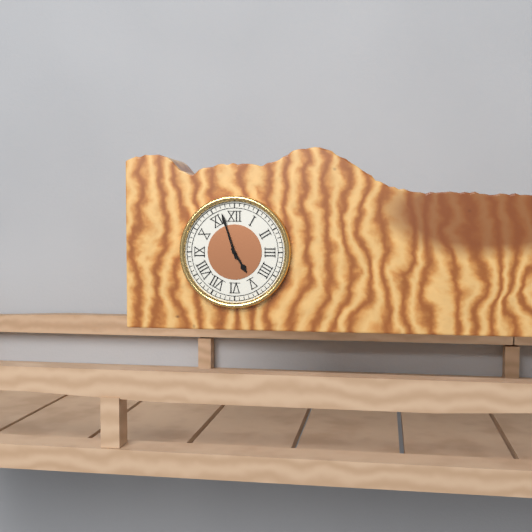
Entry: h=4 m=57
